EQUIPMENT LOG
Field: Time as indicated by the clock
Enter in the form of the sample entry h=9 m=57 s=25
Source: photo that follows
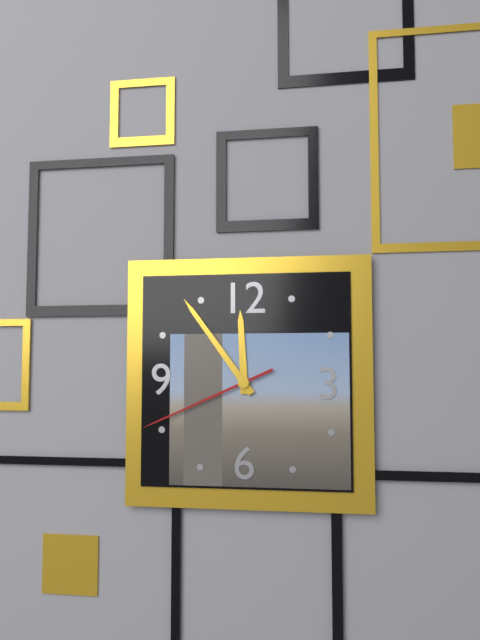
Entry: h=11 m=54 s=41
